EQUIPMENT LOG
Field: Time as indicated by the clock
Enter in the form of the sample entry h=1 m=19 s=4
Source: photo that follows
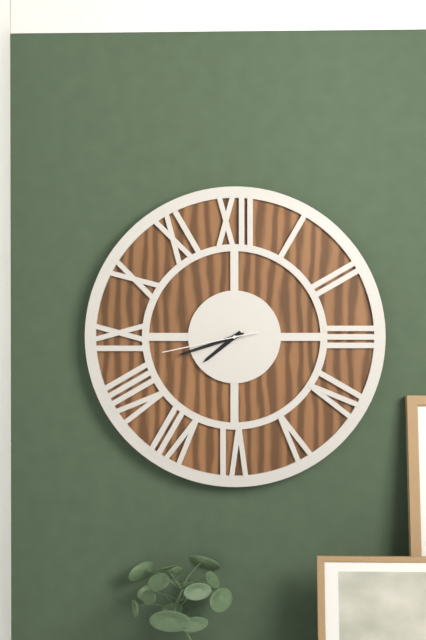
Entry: h=7 m=42 s=43
